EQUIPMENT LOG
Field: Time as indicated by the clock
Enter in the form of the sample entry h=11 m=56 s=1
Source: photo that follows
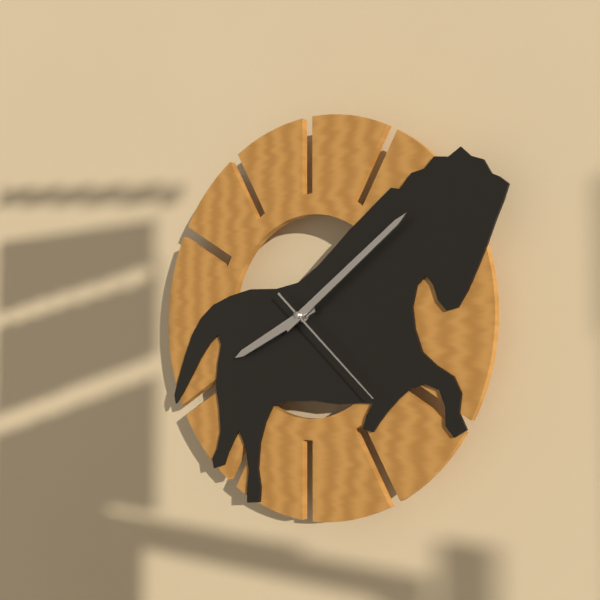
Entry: h=8 m=9 s=22
